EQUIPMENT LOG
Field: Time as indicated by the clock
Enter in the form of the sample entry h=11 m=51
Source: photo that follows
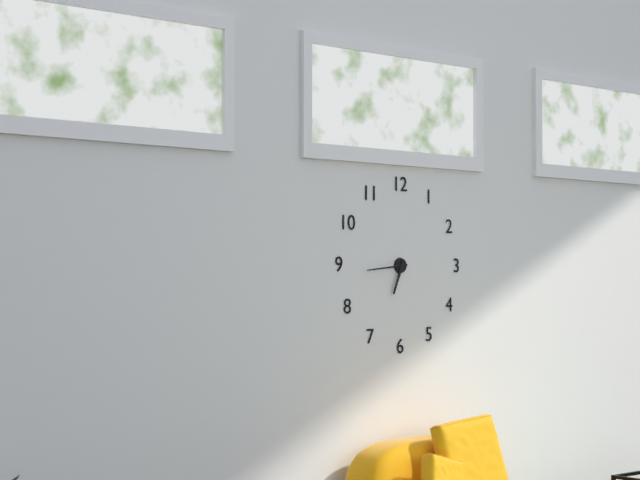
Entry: h=6 m=44
